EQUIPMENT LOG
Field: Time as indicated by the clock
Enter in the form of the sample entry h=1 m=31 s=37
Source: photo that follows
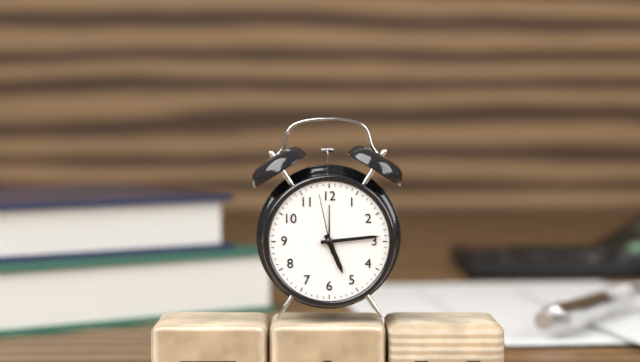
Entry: h=5 m=14 s=58
